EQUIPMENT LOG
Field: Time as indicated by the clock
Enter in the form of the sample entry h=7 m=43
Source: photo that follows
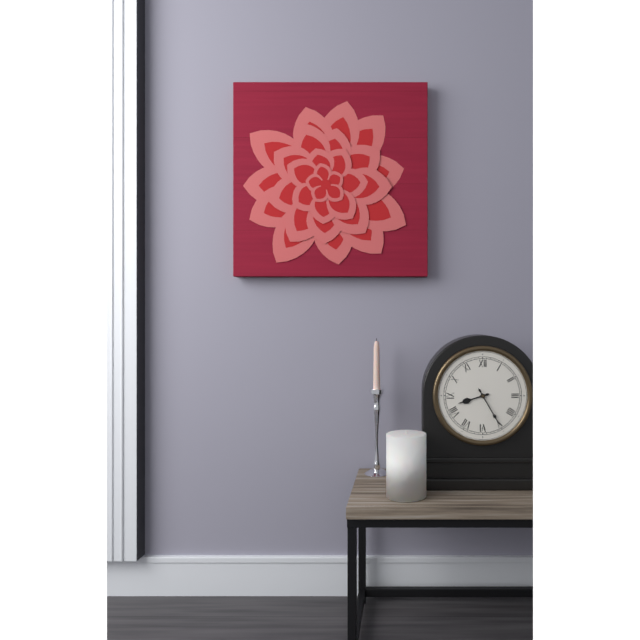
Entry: h=8 m=25
